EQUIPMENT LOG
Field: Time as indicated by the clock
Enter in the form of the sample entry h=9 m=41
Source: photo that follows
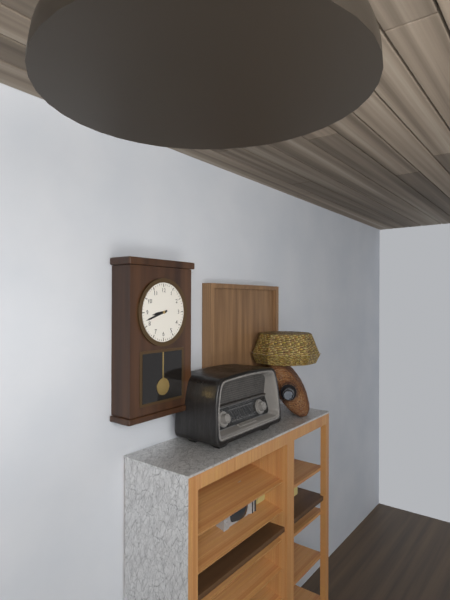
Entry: h=8 m=42
